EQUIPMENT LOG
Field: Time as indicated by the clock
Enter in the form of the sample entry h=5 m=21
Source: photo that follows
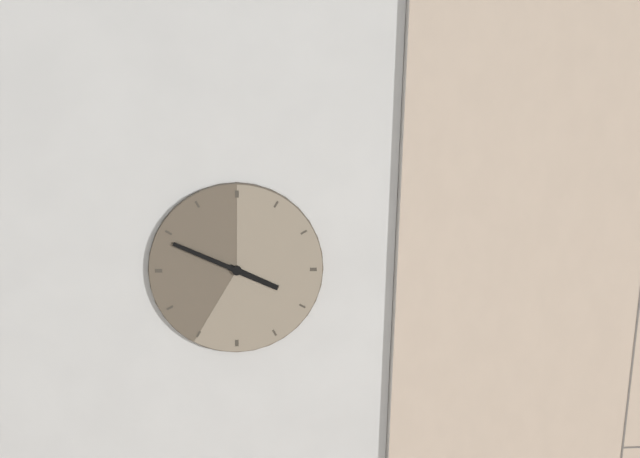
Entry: h=3 m=49
